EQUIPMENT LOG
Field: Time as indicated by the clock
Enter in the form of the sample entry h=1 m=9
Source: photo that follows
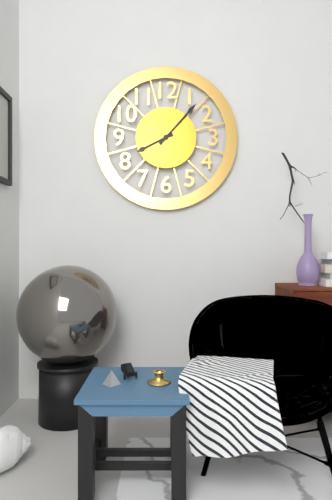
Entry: h=8 m=7
